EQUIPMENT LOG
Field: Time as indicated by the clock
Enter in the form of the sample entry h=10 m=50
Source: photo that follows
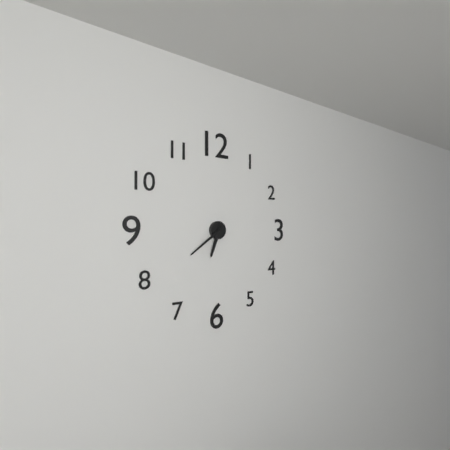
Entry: h=6 m=39
